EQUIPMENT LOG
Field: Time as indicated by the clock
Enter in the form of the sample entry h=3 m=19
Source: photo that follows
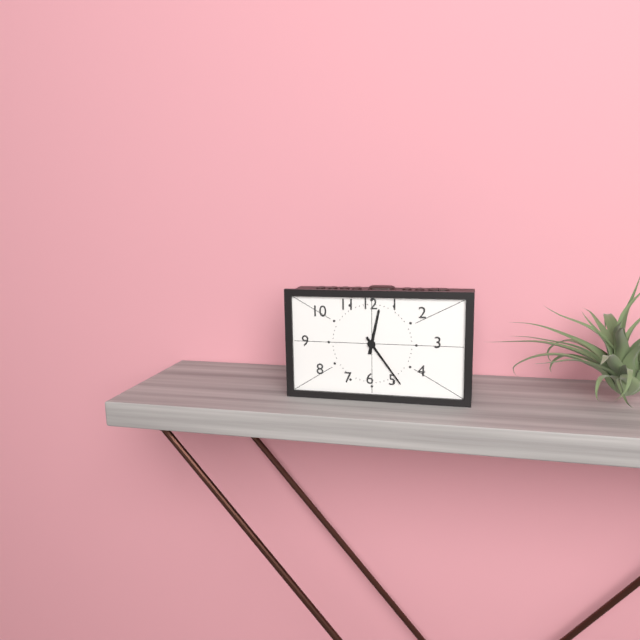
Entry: h=12 m=24
